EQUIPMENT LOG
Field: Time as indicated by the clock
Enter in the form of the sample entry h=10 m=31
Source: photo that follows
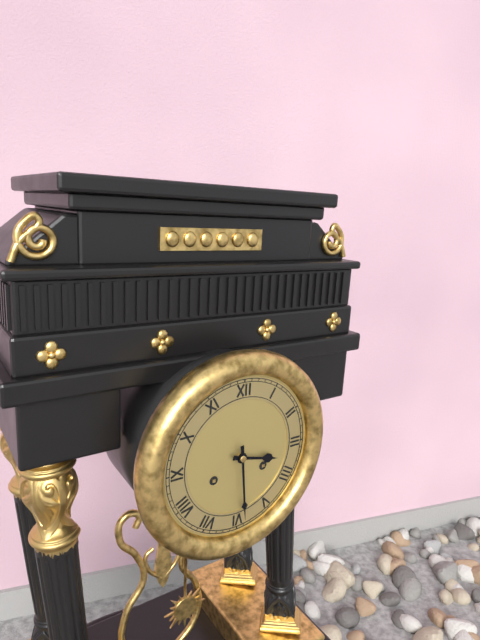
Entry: h=3 m=29
